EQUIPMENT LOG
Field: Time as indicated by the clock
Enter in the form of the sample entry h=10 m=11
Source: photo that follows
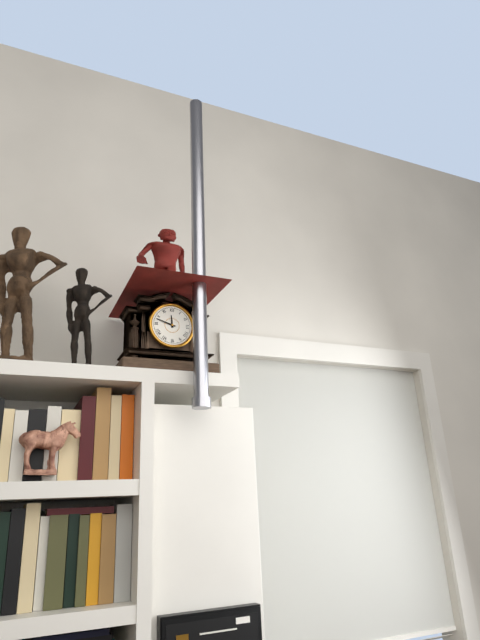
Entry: h=11 m=48
